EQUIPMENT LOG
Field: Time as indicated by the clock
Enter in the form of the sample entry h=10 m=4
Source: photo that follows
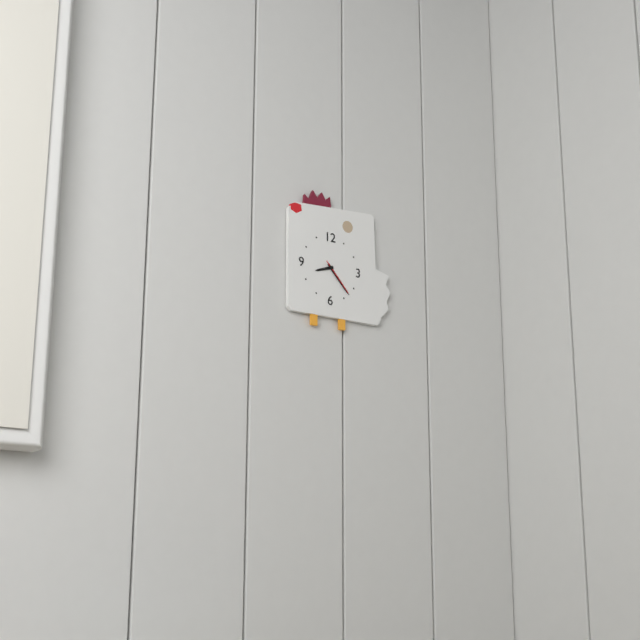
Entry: h=8 m=23
